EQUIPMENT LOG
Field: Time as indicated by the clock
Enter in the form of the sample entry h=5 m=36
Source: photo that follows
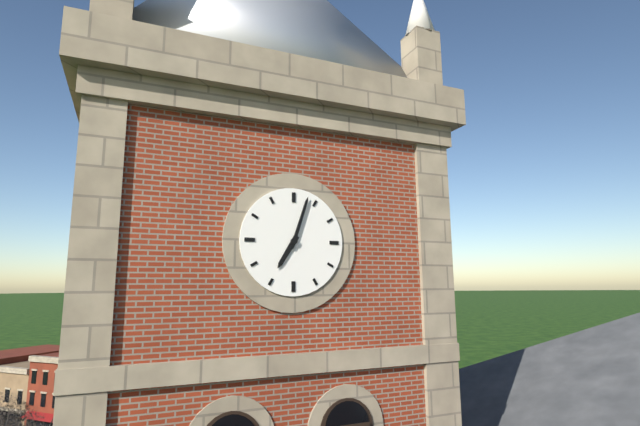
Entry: h=7 m=3
